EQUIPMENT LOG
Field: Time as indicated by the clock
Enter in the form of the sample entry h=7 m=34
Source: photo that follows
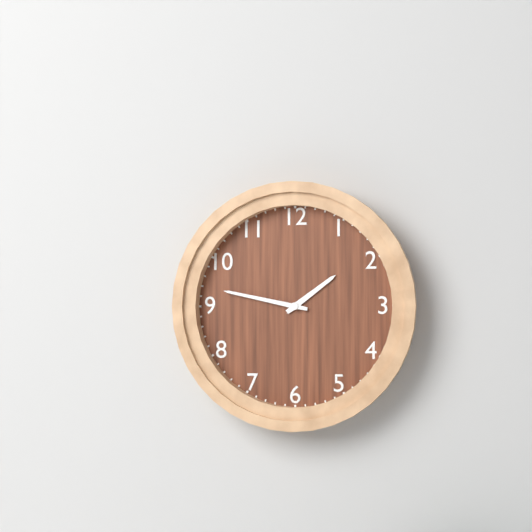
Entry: h=1 m=47
